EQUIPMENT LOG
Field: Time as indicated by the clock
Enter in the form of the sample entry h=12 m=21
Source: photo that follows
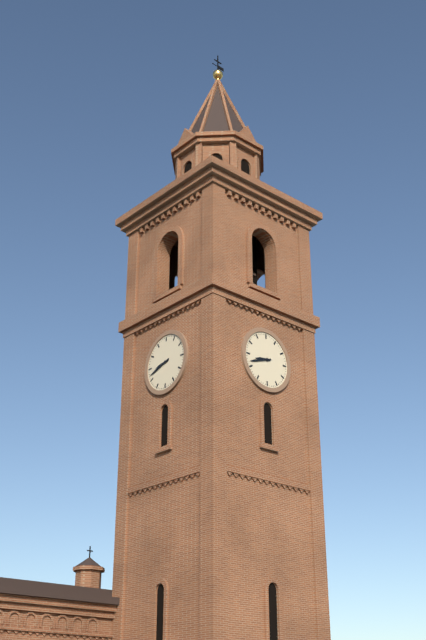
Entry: h=8 m=42
